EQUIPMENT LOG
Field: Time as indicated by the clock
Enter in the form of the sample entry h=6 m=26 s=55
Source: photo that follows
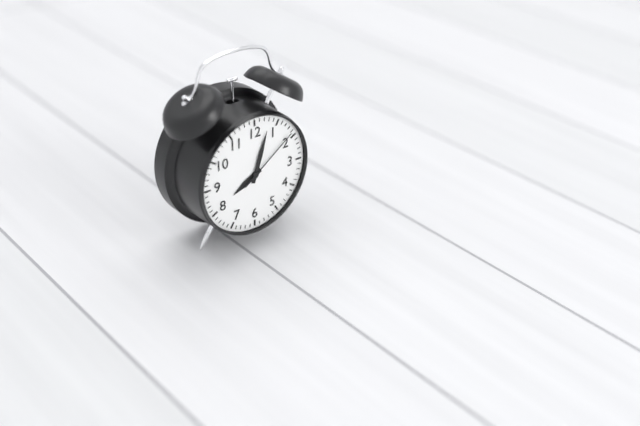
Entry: h=8 m=3 s=9
